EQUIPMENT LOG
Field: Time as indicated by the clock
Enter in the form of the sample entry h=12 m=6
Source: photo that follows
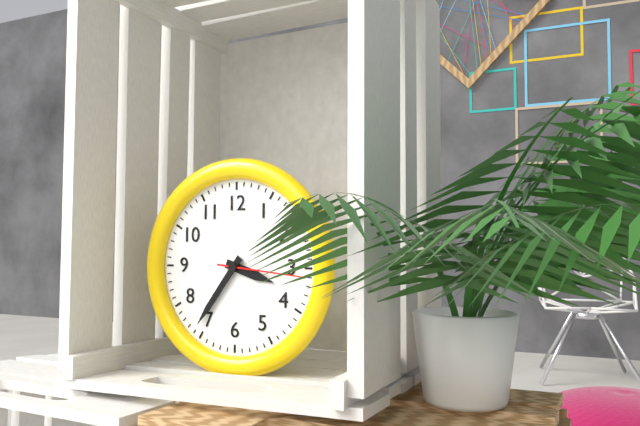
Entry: h=3 m=36
